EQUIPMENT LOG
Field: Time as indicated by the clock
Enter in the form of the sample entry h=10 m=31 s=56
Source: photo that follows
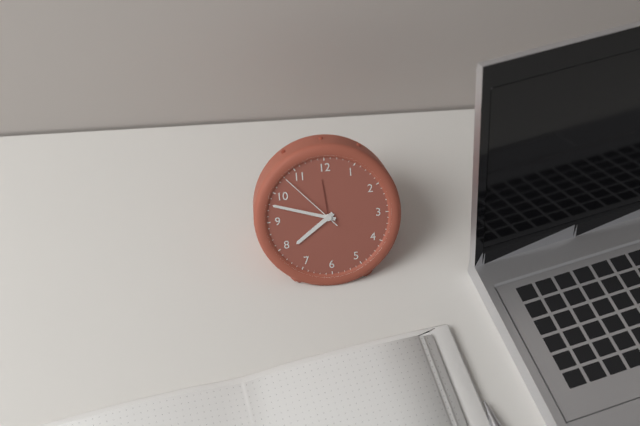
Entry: h=7 m=48 s=53
